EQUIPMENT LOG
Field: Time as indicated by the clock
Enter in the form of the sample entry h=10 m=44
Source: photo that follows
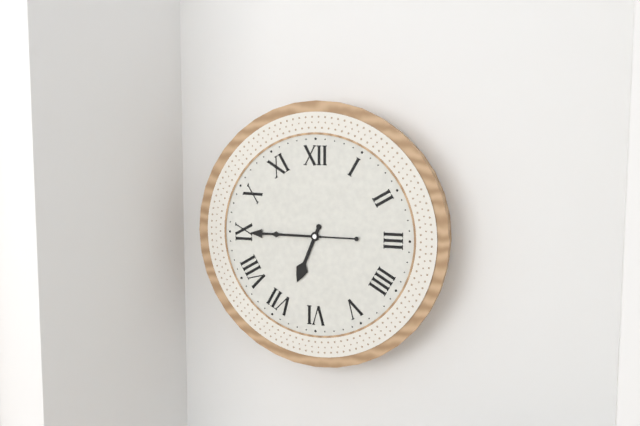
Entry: h=6 m=45
